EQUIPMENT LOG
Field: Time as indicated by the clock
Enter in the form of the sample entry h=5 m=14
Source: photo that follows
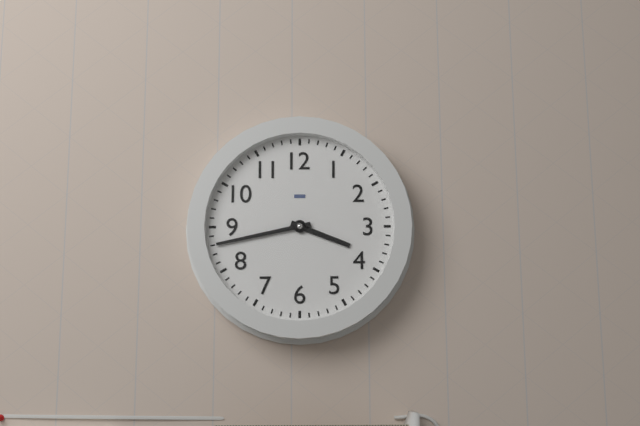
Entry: h=3 m=43
